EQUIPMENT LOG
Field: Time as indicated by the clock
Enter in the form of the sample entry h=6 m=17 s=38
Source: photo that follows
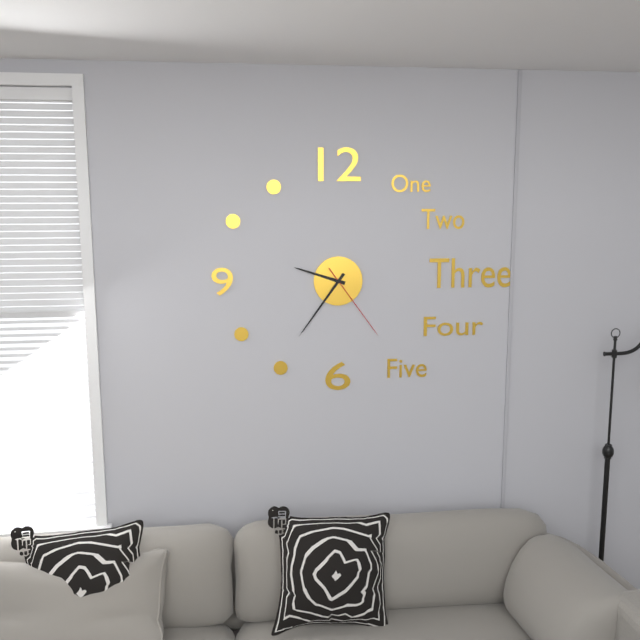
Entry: h=9 m=36 s=24
